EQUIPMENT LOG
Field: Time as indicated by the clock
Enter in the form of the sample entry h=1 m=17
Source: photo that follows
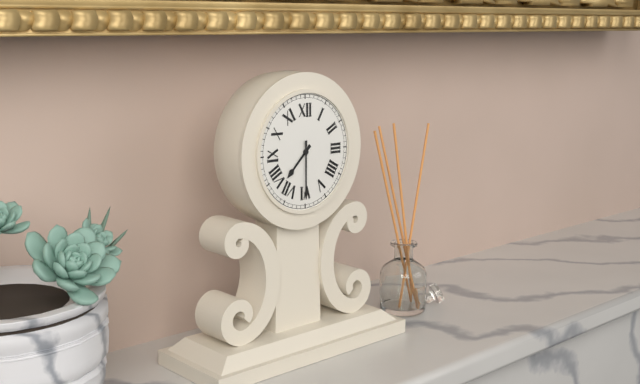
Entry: h=7 m=30
